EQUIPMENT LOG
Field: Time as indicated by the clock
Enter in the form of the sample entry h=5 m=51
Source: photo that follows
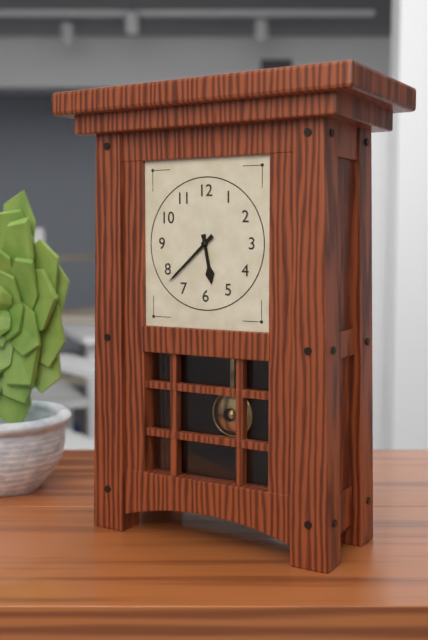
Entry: h=5 m=38
